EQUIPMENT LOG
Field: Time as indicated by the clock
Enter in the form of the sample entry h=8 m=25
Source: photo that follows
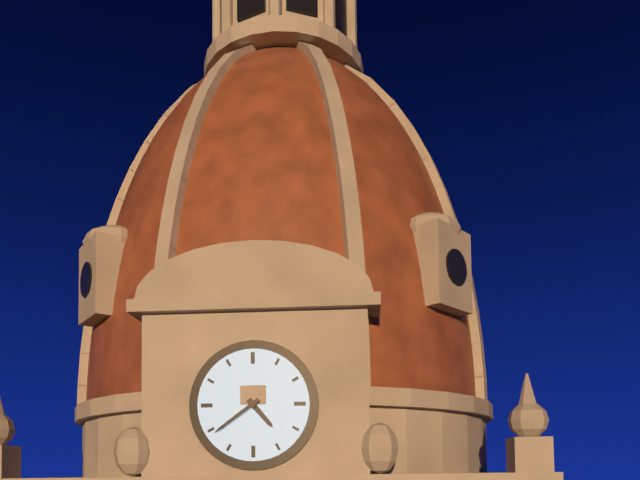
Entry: h=4 m=39
